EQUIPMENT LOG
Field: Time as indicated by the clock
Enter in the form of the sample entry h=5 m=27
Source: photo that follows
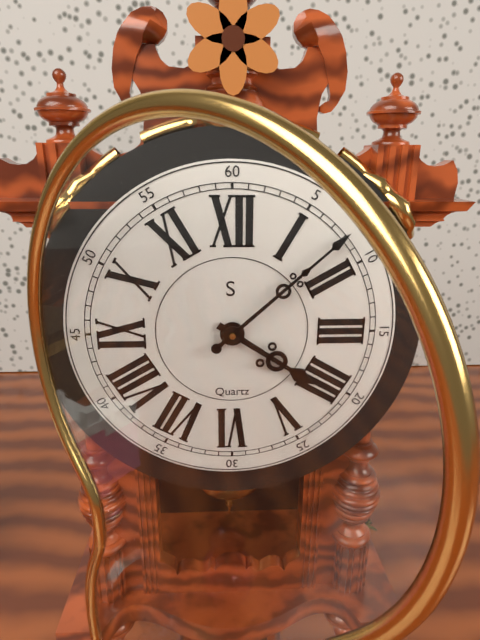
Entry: h=4 m=8
